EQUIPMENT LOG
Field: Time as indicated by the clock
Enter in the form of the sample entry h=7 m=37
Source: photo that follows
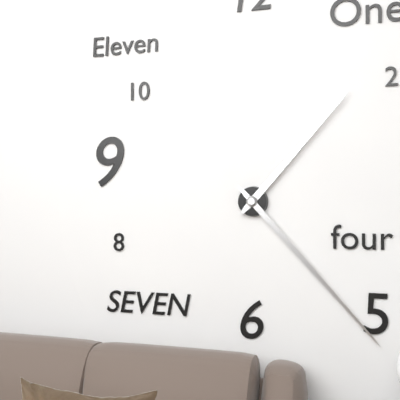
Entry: h=1 m=23
